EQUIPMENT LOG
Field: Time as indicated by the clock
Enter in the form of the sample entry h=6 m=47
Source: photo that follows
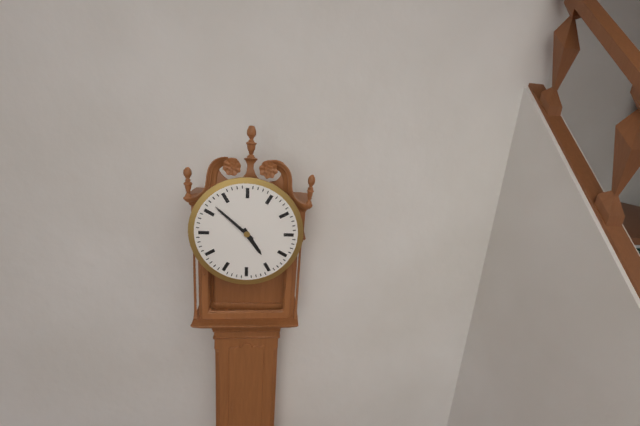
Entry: h=4 m=52
